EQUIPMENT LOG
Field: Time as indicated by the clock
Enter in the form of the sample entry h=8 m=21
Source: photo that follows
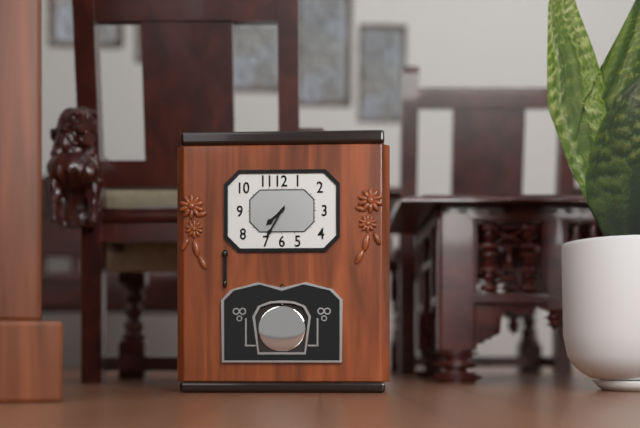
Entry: h=7 m=35
